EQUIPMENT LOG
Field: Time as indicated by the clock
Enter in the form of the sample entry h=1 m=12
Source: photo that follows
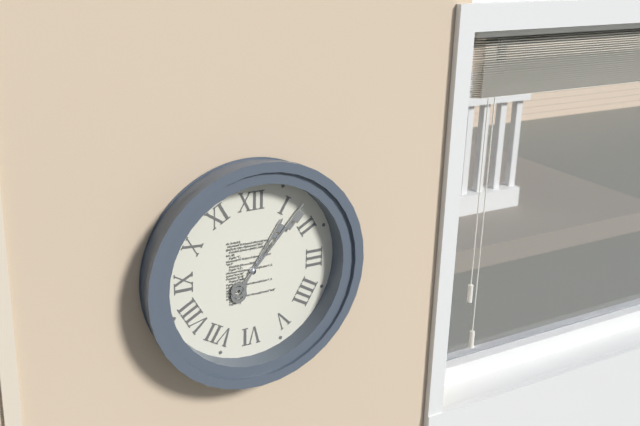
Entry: h=1 m=7
